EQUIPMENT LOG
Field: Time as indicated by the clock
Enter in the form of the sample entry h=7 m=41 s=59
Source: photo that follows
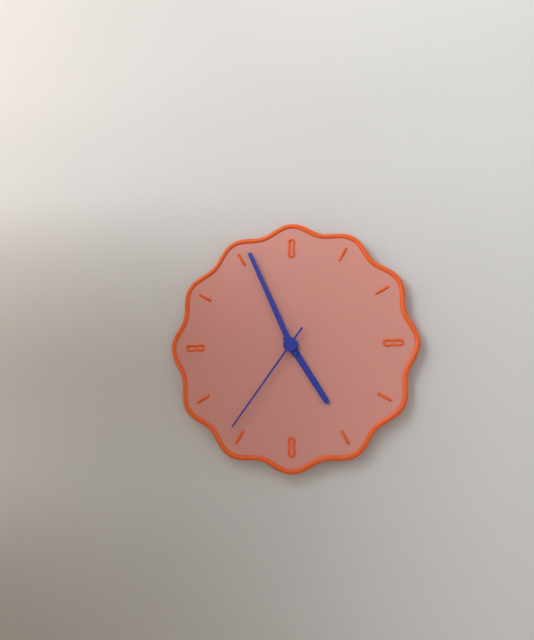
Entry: h=4 m=56 s=36
